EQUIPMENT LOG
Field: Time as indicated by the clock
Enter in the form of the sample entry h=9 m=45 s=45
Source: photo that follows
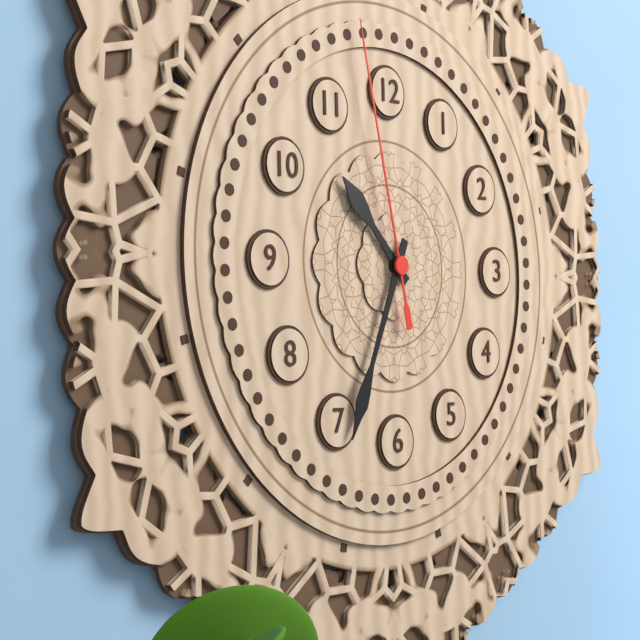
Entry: h=10 m=34 s=58
